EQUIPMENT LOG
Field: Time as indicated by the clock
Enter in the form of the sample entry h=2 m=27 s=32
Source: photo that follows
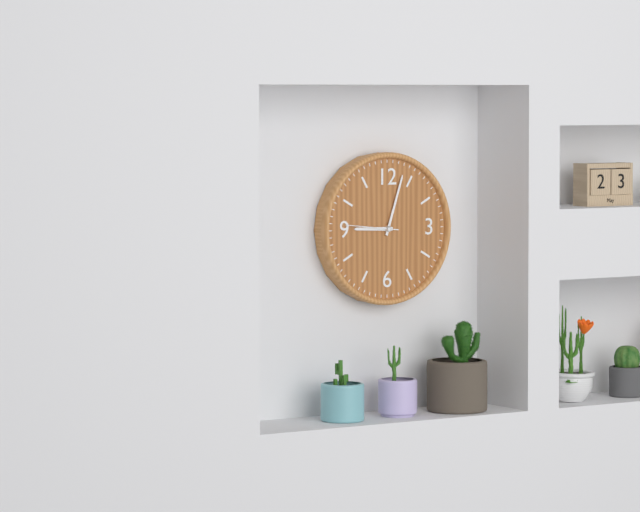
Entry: h=9 m=3 s=46
